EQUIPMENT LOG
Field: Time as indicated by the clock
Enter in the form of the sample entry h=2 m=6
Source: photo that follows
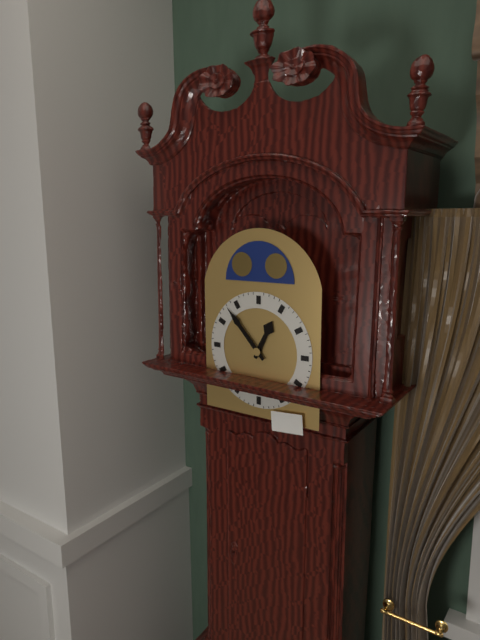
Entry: h=12 m=53
